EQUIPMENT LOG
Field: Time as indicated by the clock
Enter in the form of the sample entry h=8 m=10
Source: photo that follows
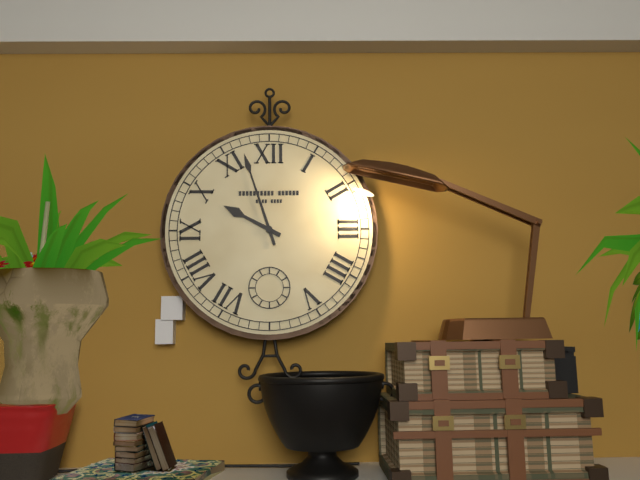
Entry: h=9 m=57
